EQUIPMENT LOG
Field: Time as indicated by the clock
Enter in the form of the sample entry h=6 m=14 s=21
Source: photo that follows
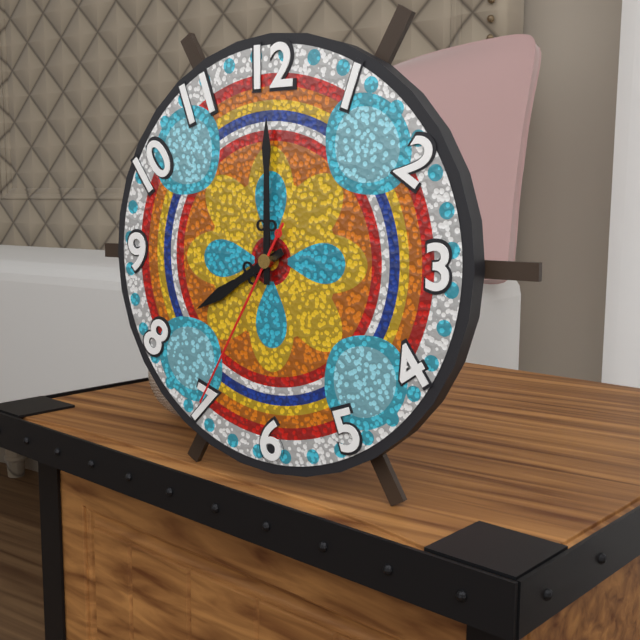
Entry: h=8 m=0 s=35
